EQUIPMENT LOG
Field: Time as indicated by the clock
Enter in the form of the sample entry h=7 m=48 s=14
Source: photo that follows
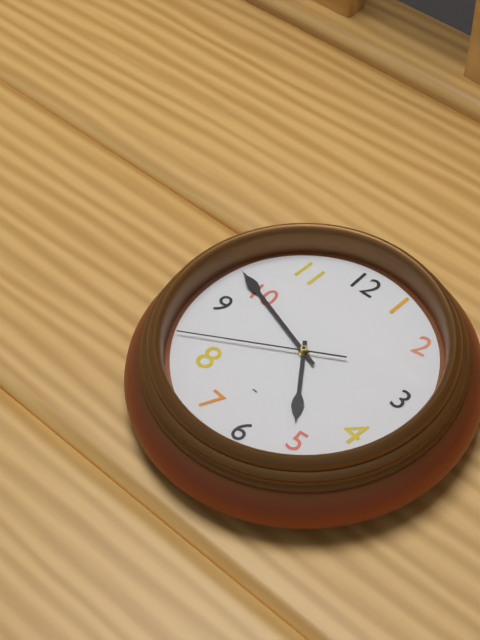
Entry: h=4 m=48 s=40
